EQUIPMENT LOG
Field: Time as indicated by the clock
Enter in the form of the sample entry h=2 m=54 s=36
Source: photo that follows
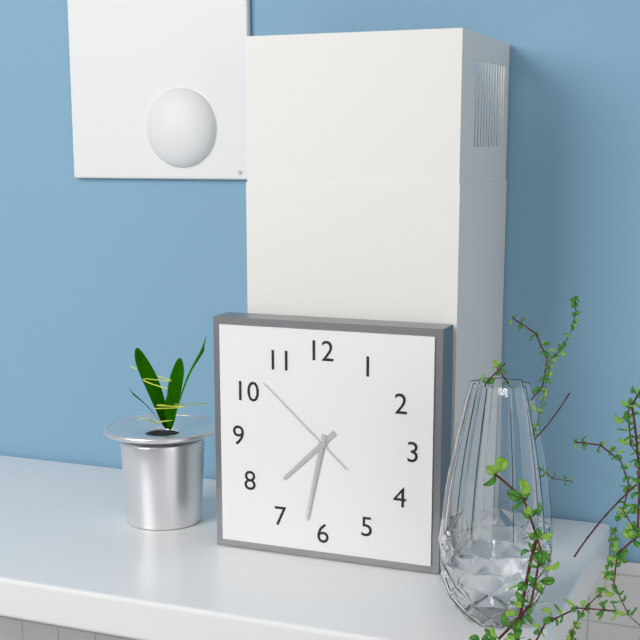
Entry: h=7 m=32 s=52
